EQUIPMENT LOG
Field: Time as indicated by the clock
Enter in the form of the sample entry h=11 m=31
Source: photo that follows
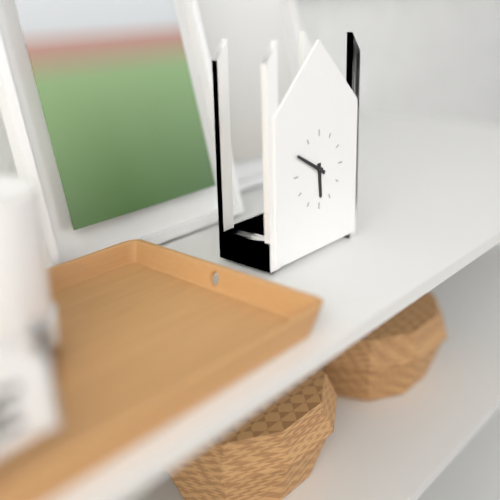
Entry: h=5 m=50
